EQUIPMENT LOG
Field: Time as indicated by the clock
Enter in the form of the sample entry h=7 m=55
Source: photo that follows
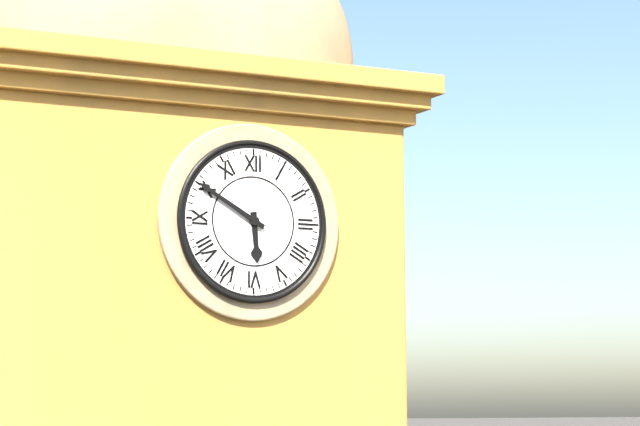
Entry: h=5 m=50
